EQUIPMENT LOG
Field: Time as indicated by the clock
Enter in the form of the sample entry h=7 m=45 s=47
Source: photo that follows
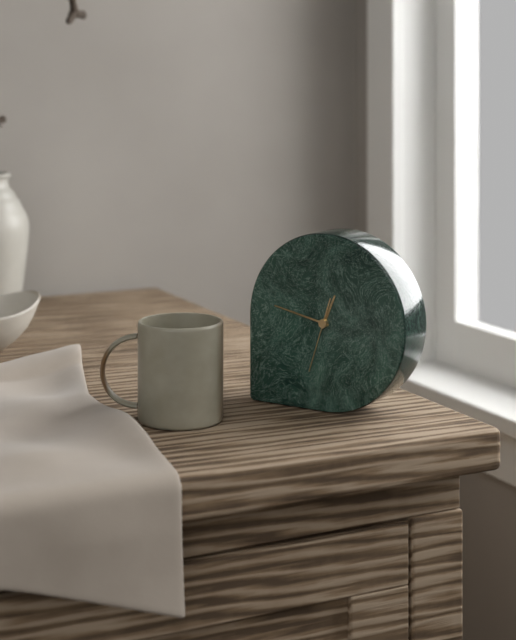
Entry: h=12 m=47 s=33
